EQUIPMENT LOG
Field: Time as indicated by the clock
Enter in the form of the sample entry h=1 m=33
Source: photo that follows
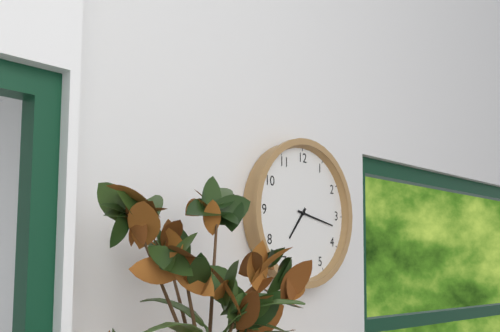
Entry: h=7 m=17
